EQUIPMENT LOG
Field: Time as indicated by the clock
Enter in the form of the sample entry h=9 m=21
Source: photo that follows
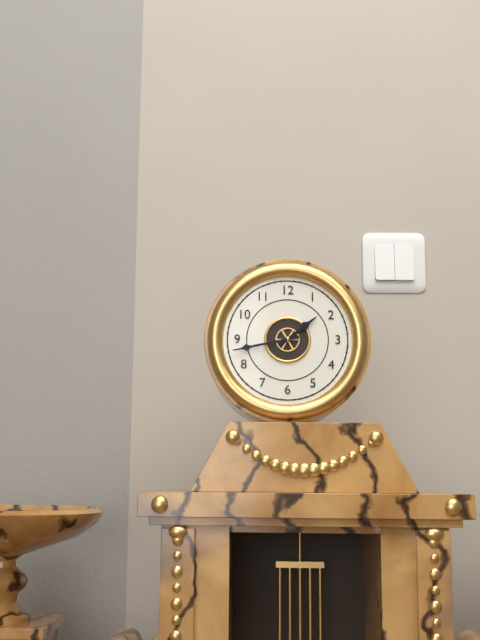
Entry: h=1 m=43
